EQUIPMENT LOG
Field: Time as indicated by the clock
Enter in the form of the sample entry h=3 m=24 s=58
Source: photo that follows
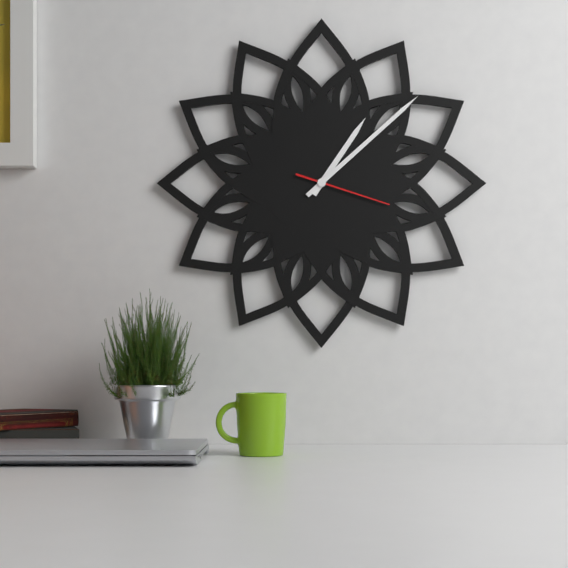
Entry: h=1 m=8 s=18
